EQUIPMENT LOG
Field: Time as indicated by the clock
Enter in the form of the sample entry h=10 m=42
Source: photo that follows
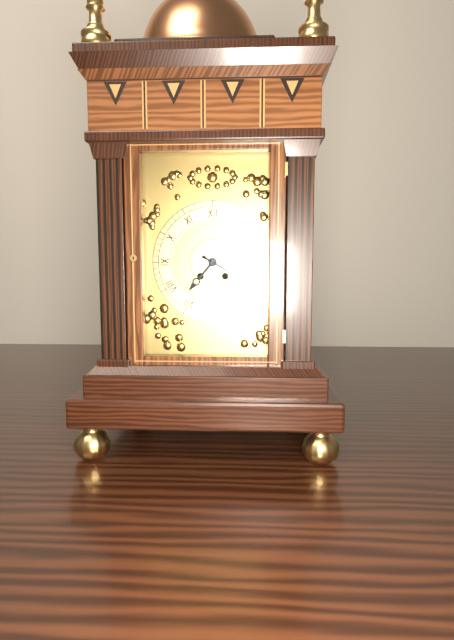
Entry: h=7 m=20
